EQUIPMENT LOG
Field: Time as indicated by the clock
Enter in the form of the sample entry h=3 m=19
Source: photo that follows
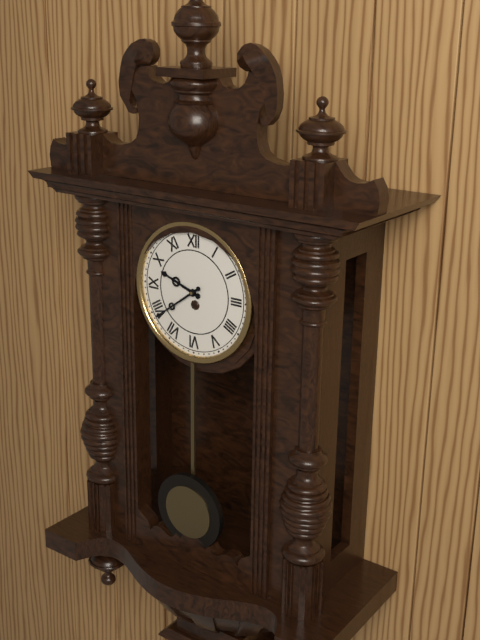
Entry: h=9 m=39
